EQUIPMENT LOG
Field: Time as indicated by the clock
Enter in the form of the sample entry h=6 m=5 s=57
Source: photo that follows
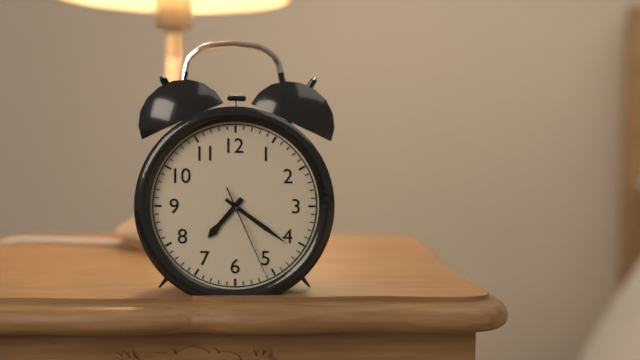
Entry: h=7 m=21 s=26
